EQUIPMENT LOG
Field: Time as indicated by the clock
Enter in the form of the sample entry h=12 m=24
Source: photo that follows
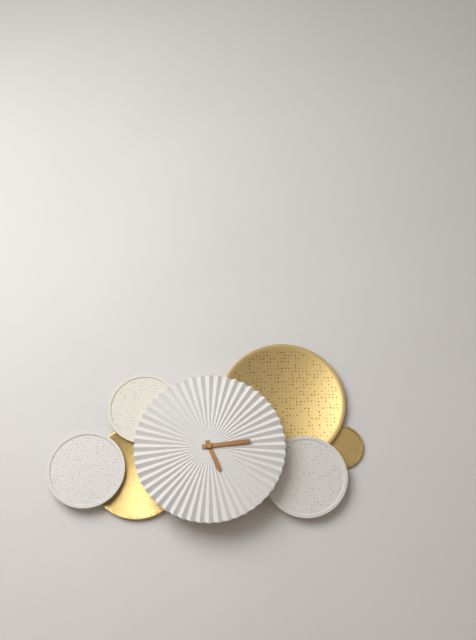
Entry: h=5 m=14
